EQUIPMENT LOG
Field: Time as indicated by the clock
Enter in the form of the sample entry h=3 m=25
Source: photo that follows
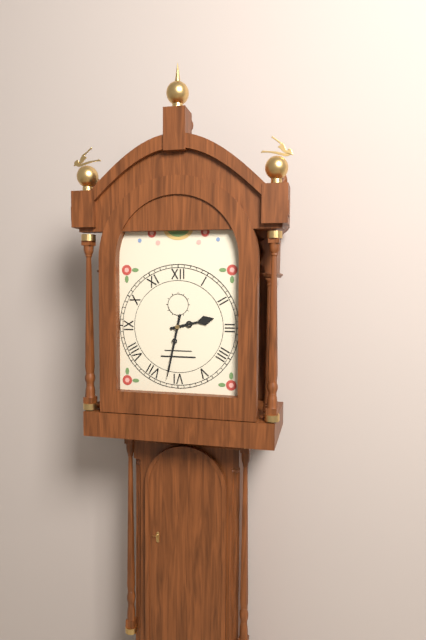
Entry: h=2 m=32
